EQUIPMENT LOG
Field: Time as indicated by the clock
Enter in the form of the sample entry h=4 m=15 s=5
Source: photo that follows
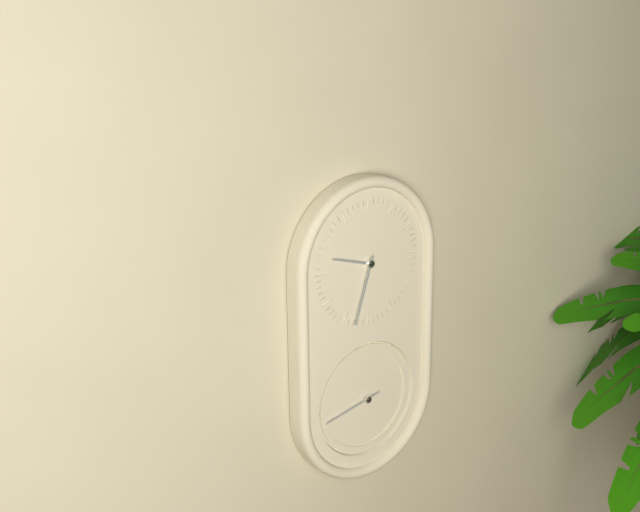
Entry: h=9 m=33 s=43
